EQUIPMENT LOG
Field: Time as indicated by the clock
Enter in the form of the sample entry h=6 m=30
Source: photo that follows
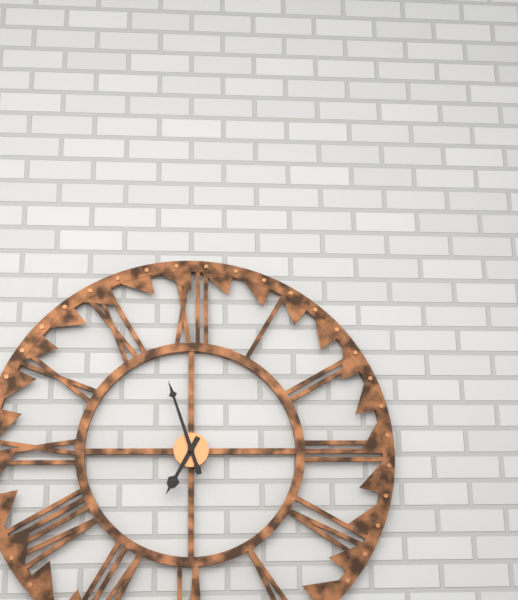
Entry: h=6 m=57
